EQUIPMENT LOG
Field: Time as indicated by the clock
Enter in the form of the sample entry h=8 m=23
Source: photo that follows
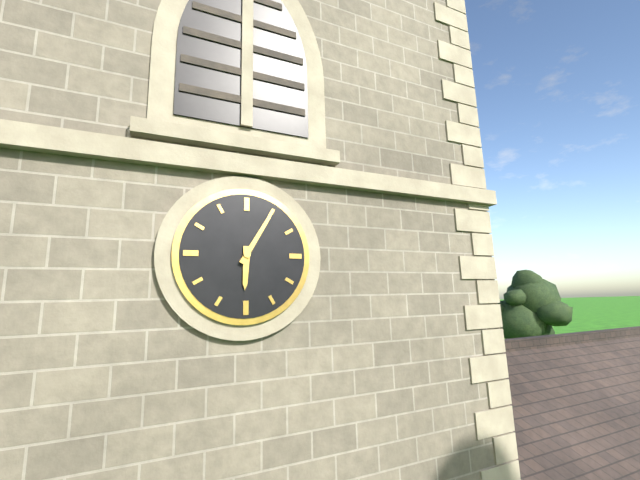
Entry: h=6 m=5
